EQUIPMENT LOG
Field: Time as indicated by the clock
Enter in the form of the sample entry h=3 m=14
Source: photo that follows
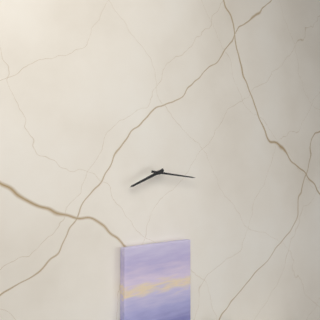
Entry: h=8 m=16
